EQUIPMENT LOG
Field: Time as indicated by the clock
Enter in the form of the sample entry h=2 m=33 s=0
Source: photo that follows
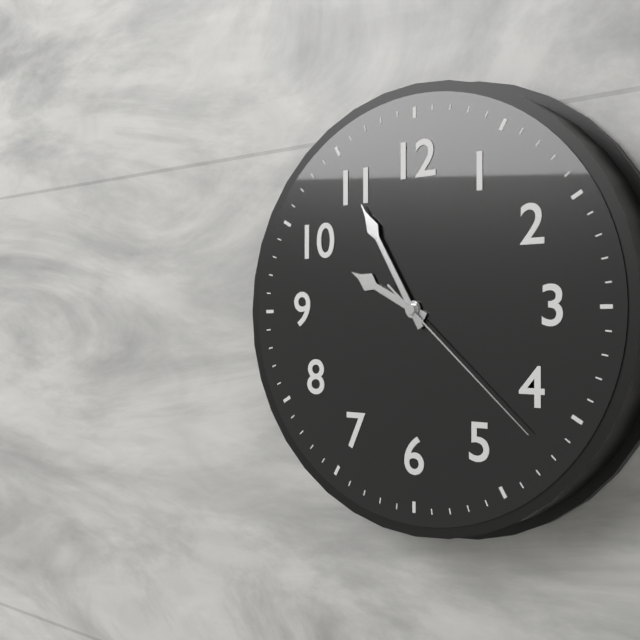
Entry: h=9 m=55 s=22
